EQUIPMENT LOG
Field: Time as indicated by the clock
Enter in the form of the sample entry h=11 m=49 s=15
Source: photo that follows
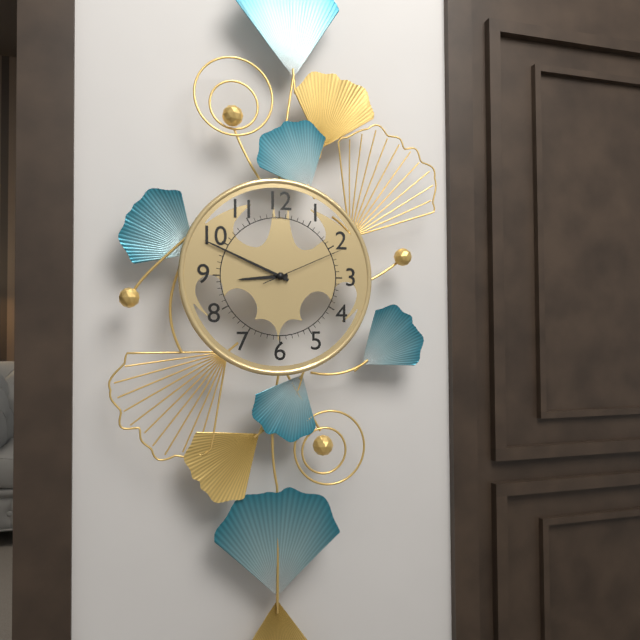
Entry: h=8 m=49 s=11
